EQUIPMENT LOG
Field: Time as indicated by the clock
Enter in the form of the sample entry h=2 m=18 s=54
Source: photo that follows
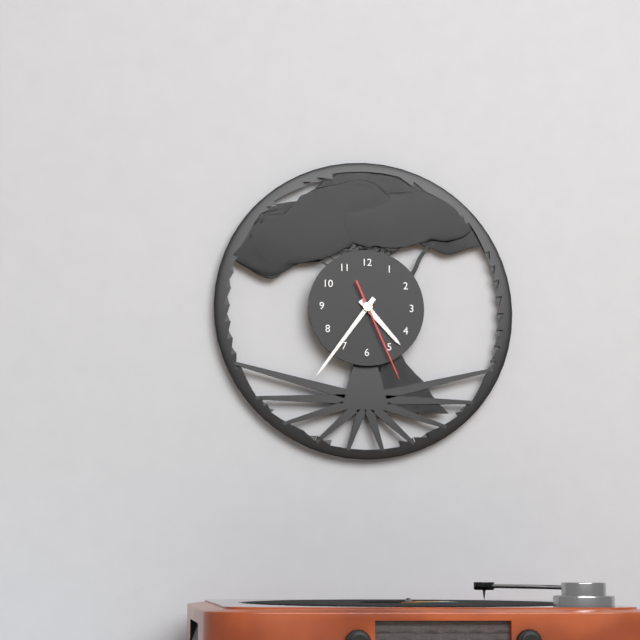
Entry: h=4 m=36 s=26
